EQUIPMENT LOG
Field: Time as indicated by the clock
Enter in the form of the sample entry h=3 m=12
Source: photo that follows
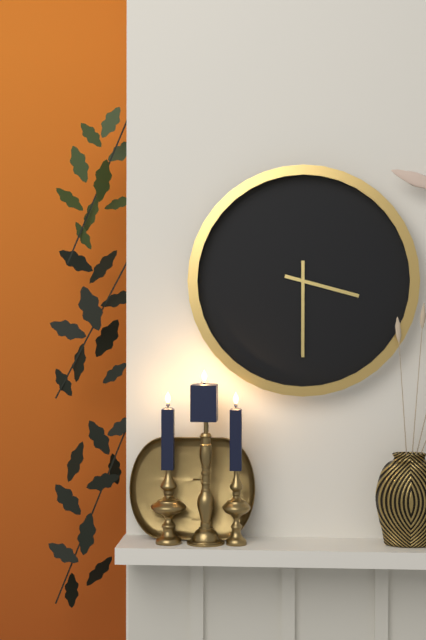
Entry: h=3 m=30
